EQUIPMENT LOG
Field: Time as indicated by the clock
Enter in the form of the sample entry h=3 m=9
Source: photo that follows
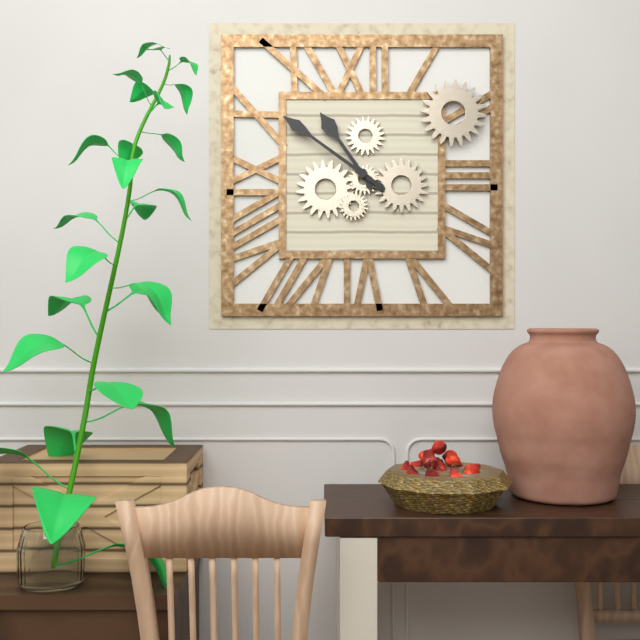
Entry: h=10 m=51
